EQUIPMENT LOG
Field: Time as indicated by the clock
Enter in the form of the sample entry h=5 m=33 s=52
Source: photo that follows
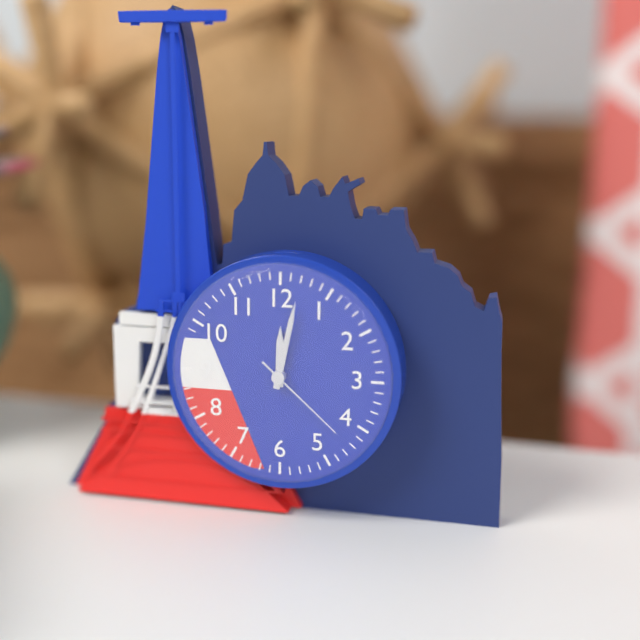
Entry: h=12 m=2 s=22
